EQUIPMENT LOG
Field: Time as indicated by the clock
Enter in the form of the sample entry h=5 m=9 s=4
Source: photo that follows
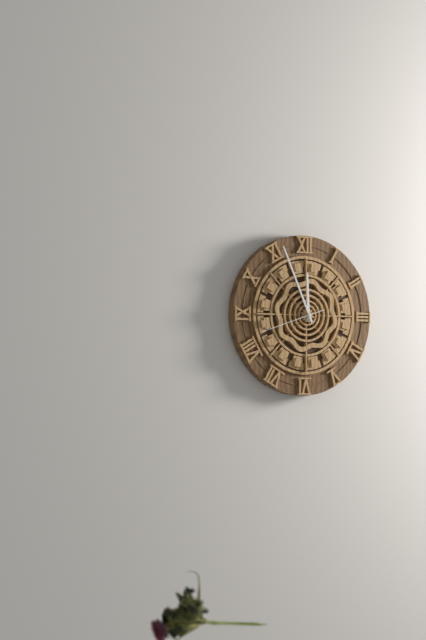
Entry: h=11 m=56 s=42
